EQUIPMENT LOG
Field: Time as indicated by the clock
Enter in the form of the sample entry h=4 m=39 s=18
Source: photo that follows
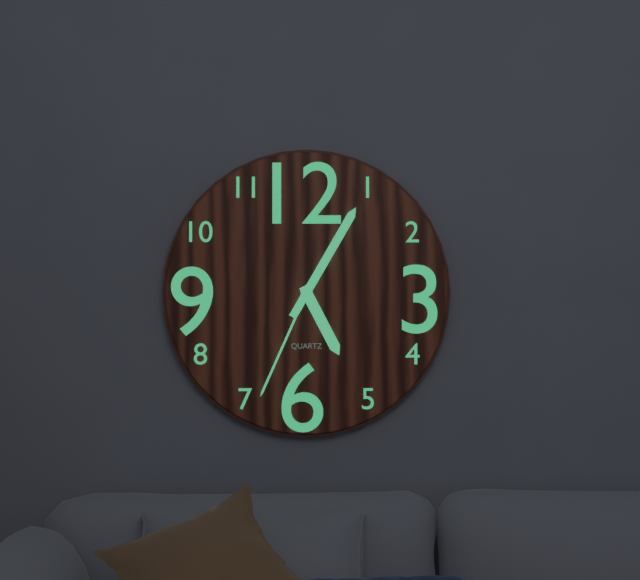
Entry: h=5 m=5 s=34
